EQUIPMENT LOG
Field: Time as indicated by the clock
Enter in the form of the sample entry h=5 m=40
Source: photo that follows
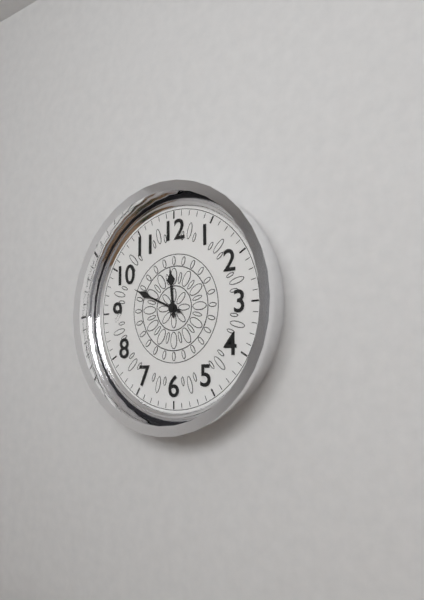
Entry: h=11 m=49
